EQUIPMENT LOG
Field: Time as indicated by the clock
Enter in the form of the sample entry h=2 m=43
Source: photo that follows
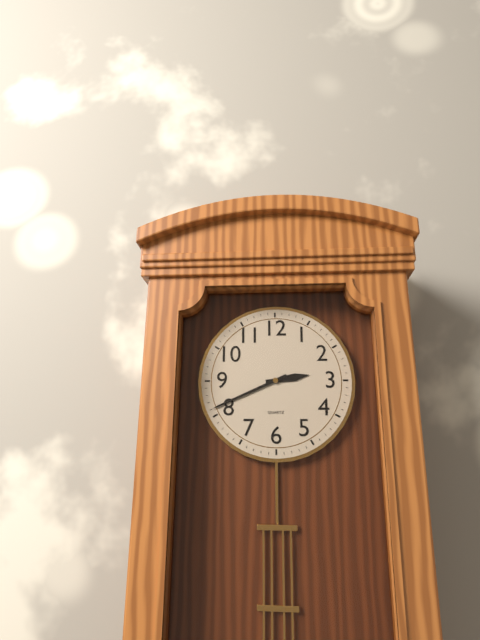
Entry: h=2 m=41
